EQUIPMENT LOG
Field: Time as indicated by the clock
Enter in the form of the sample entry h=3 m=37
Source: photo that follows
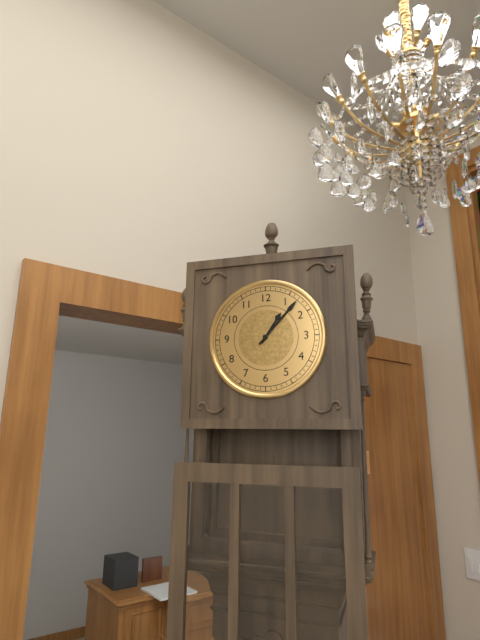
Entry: h=1 m=7
